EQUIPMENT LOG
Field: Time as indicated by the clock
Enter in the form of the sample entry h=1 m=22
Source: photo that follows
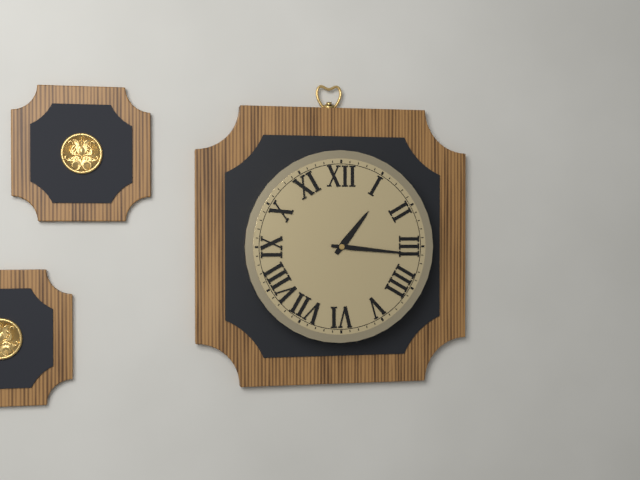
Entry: h=1 m=16
